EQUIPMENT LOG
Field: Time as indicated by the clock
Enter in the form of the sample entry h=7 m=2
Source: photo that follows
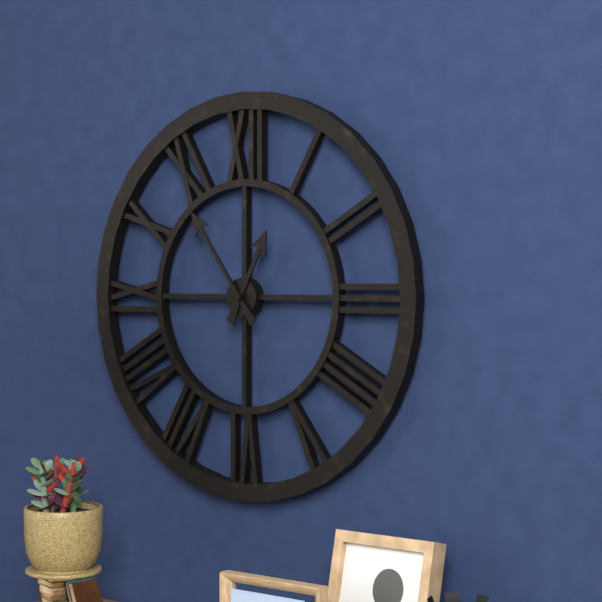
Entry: h=12 m=54
